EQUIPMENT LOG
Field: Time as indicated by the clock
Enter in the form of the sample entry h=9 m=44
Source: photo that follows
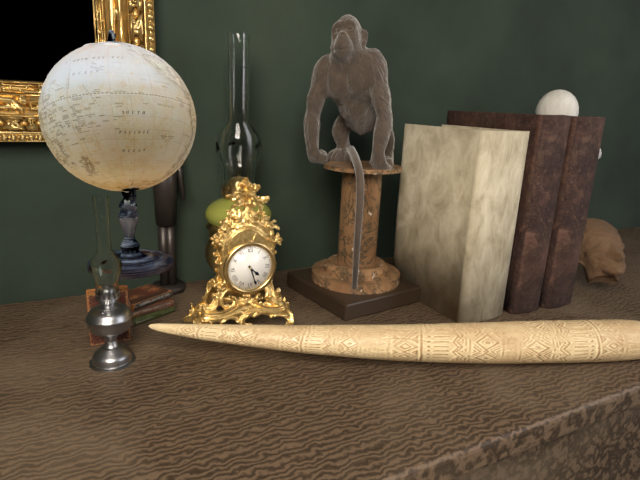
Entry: h=4 m=27
